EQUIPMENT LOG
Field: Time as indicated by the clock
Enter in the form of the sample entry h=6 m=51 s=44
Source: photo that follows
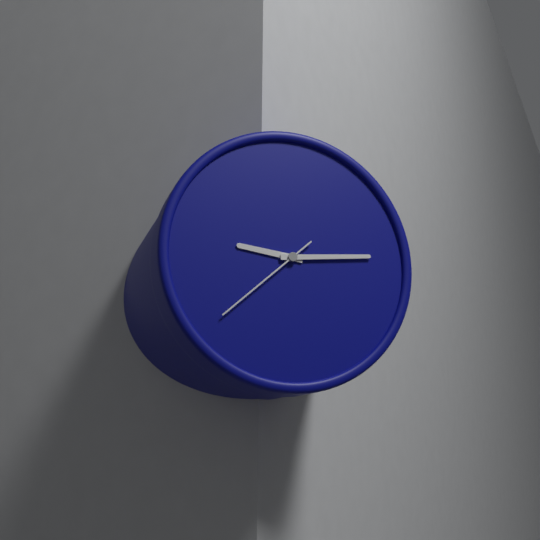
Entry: h=9 m=14 s=38
